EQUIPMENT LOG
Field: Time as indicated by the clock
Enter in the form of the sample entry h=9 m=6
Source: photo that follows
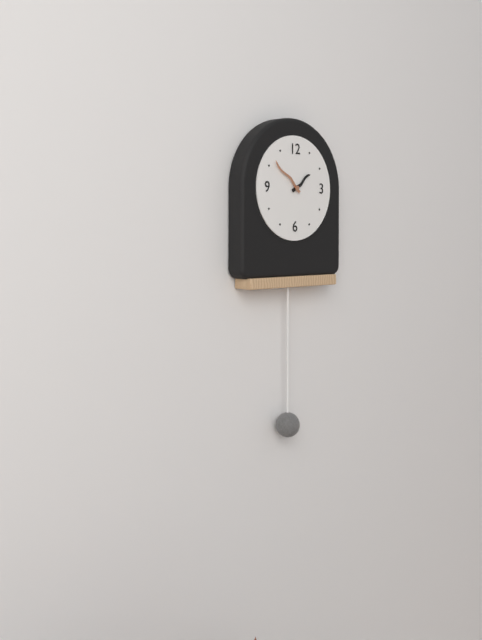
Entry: h=1 m=52
